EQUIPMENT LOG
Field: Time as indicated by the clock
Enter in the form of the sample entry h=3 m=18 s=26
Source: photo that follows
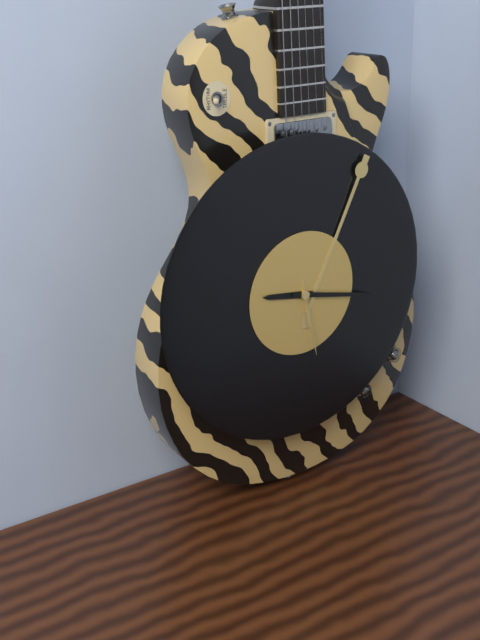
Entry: h=9 m=17 s=28
